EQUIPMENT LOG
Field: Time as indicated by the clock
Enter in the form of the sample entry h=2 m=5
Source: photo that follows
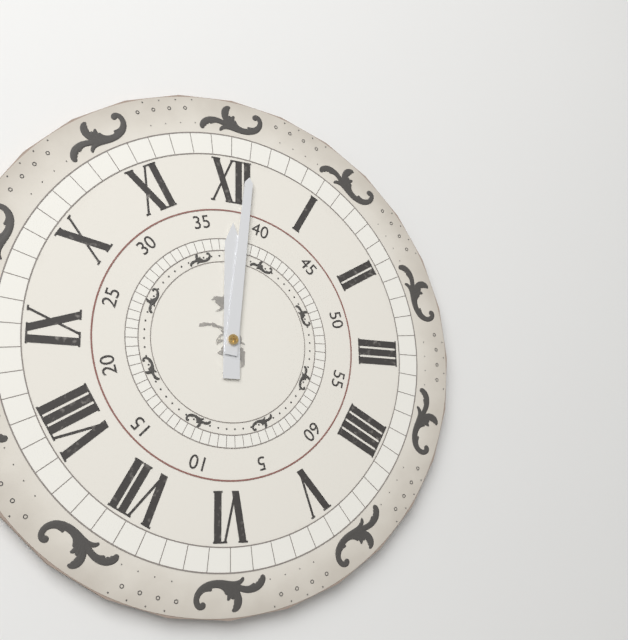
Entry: h=12 m=1
